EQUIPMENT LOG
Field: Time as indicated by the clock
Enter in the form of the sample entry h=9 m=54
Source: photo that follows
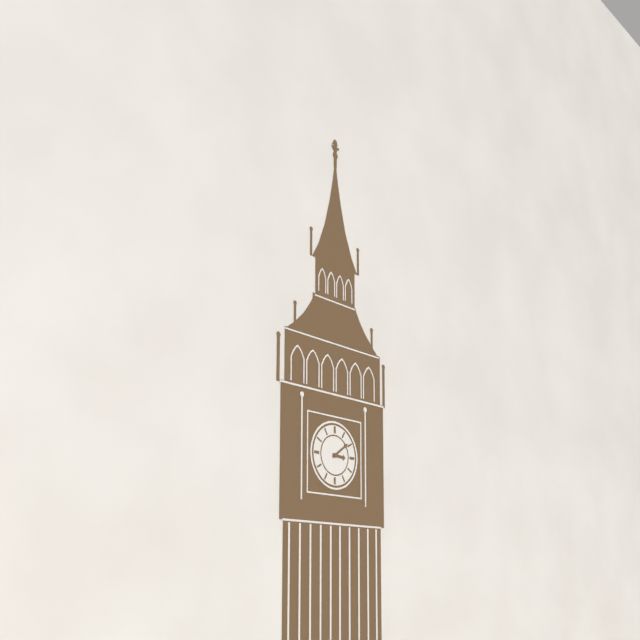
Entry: h=3 m=9
